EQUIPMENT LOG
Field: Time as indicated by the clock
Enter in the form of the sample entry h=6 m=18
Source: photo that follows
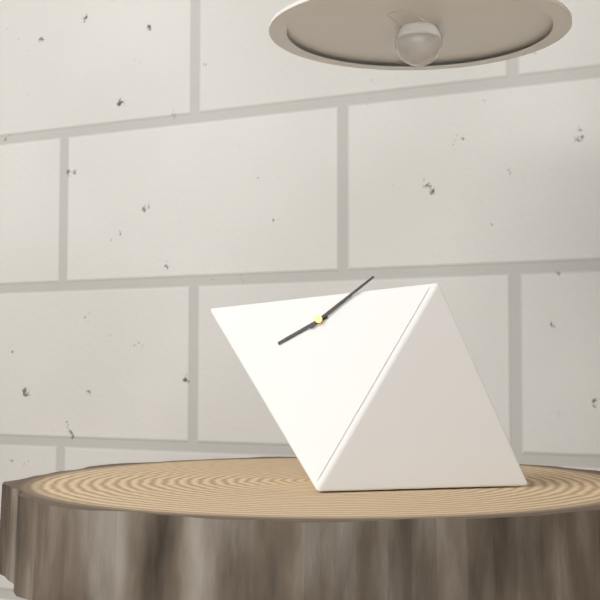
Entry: h=8 m=9
